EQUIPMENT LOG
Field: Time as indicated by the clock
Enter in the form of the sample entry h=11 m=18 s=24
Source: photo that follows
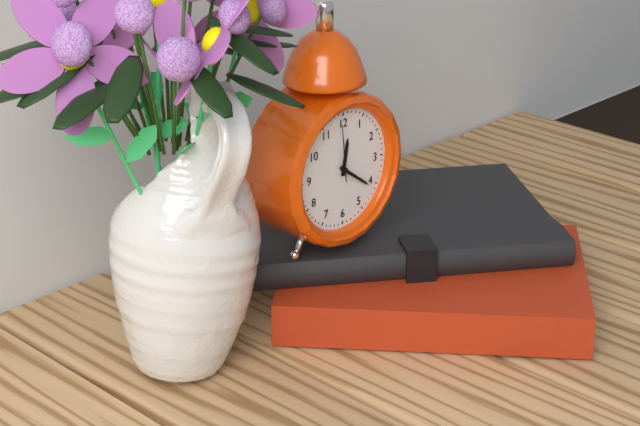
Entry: h=12 m=21 s=59
